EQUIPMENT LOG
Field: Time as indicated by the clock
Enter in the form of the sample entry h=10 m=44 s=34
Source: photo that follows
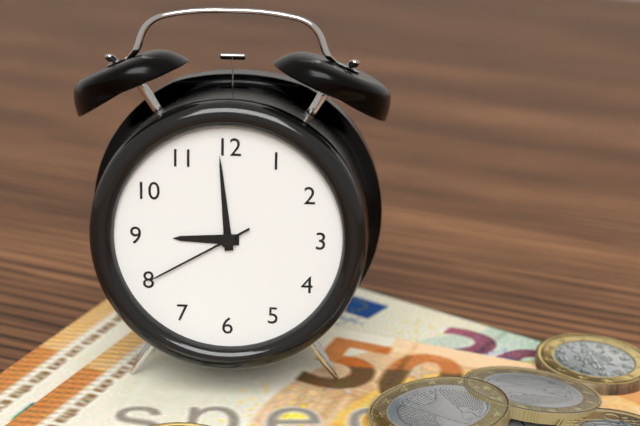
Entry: h=8 m=59 s=40
